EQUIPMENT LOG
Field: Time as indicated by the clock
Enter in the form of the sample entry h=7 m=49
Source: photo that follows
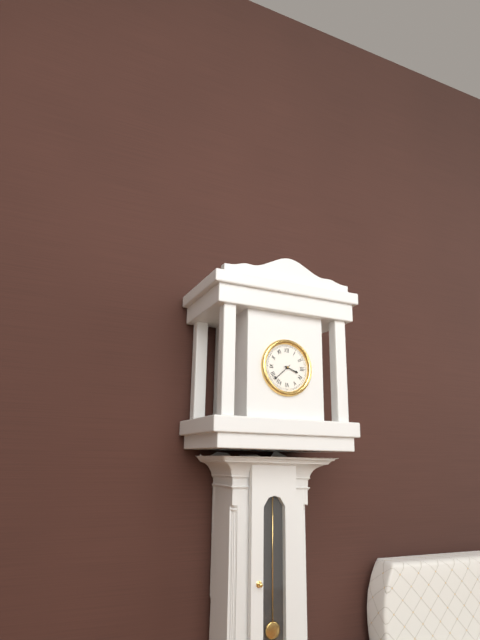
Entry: h=3 m=38
